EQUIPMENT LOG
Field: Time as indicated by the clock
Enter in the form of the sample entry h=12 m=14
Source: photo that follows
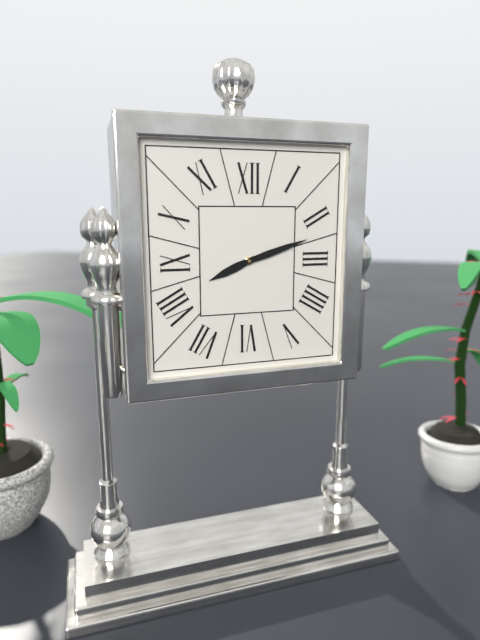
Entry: h=8 m=12
